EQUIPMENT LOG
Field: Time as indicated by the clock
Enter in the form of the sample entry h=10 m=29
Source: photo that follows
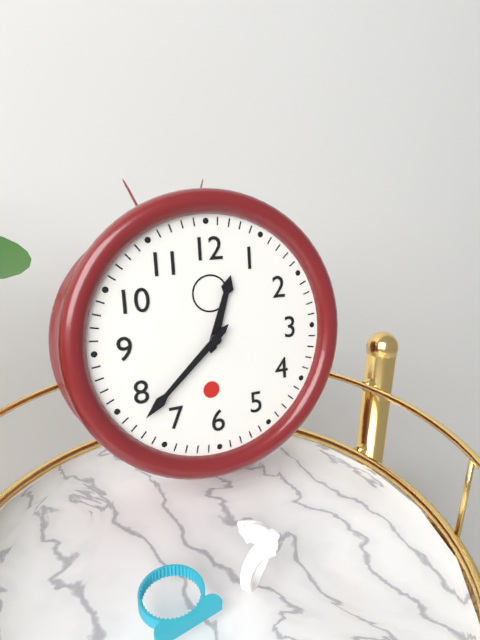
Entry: h=12 m=38
